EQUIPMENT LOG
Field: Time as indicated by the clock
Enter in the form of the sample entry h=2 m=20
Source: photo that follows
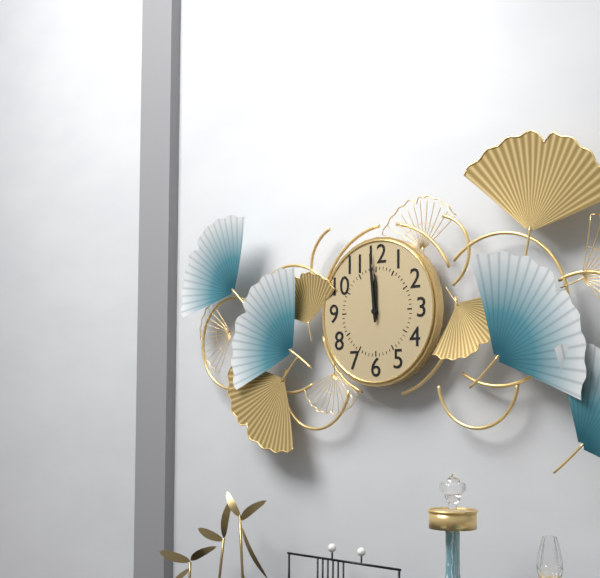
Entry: h=11 m=59
